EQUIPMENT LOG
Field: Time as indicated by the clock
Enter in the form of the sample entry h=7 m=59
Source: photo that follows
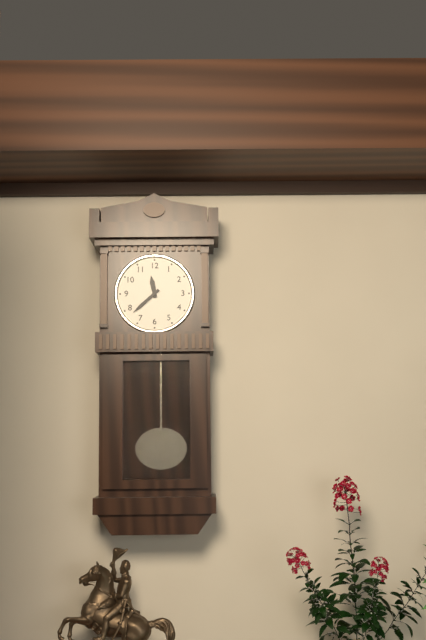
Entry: h=11 m=38
